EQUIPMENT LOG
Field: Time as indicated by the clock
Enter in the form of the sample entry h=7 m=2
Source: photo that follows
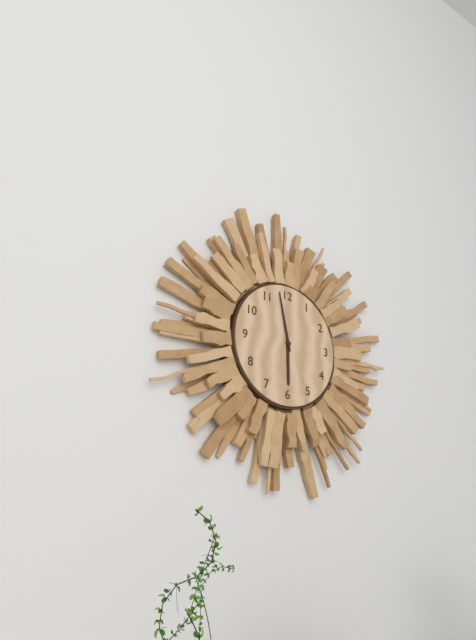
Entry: h=5 m=58
